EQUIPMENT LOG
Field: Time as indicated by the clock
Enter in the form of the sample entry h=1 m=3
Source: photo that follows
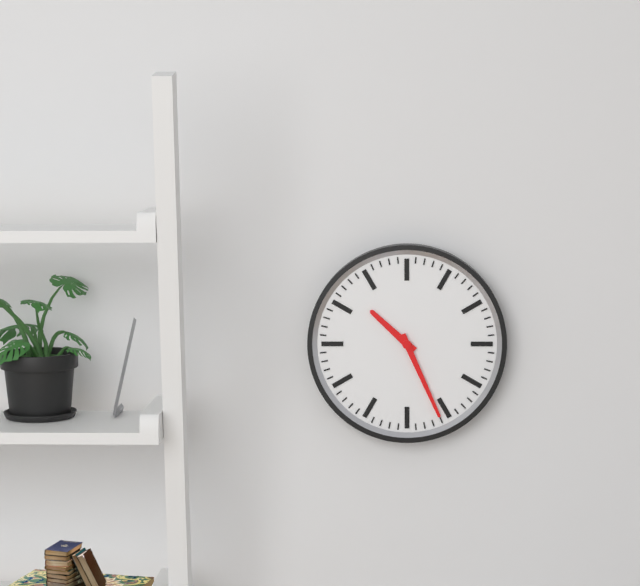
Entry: h=10 m=26
